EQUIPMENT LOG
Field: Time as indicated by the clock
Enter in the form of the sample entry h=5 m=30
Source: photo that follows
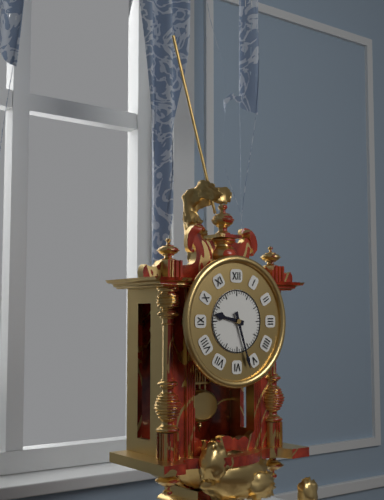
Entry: h=9 m=27
